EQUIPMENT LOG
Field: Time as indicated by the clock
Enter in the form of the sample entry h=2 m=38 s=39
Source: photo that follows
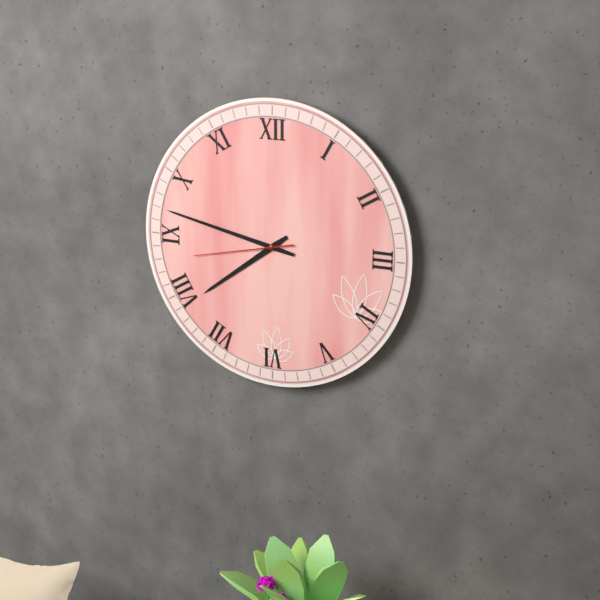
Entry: h=7 m=47 s=43
